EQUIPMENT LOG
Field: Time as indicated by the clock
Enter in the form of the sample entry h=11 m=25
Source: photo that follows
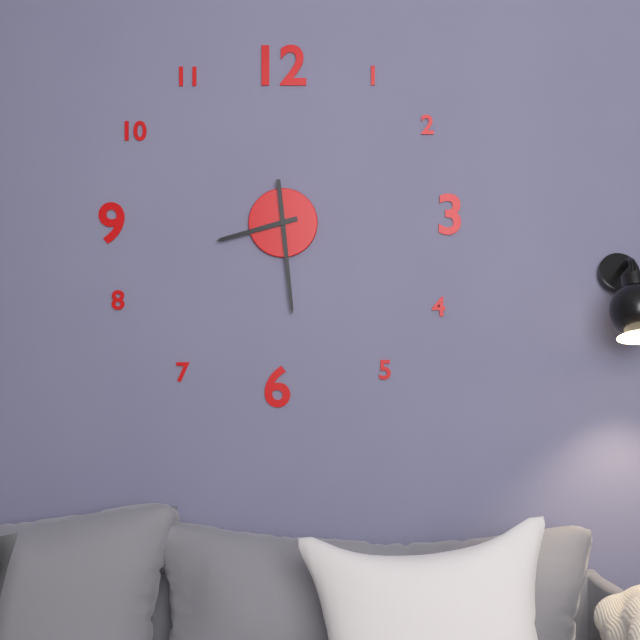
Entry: h=8 m=29
